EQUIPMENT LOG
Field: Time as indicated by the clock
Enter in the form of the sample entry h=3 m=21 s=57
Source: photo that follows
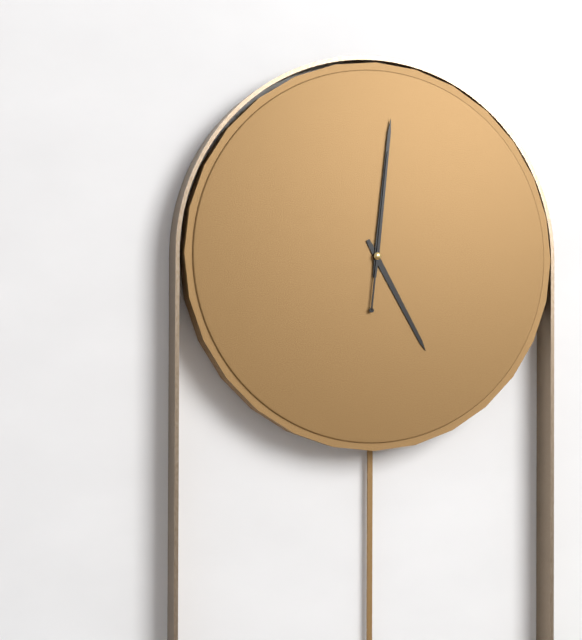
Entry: h=5 m=1 s=1
